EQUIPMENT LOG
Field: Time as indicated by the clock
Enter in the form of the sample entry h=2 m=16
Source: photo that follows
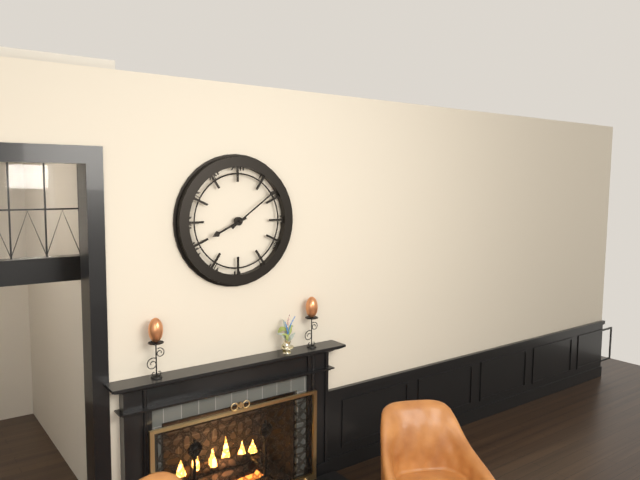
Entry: h=8 m=9
